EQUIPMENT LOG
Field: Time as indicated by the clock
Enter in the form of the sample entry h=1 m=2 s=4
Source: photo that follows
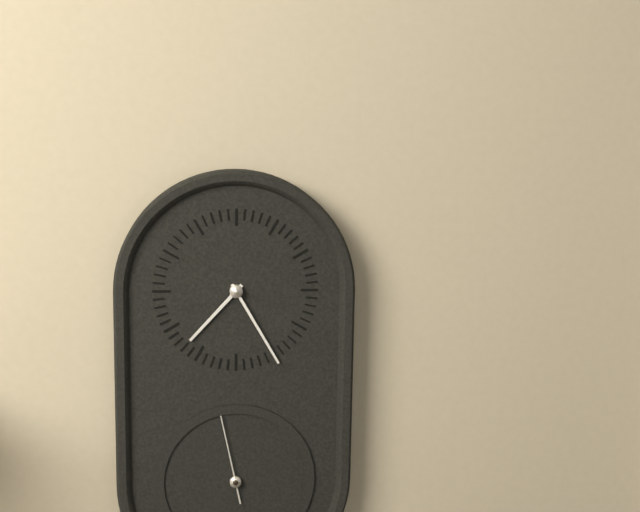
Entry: h=7 m=25 s=58
